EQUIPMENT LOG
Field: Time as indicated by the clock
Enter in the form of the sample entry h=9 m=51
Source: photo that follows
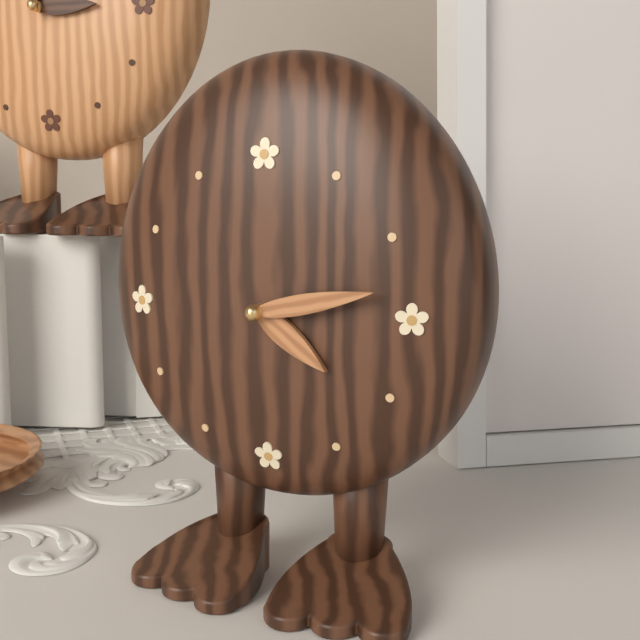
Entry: h=4 m=13
